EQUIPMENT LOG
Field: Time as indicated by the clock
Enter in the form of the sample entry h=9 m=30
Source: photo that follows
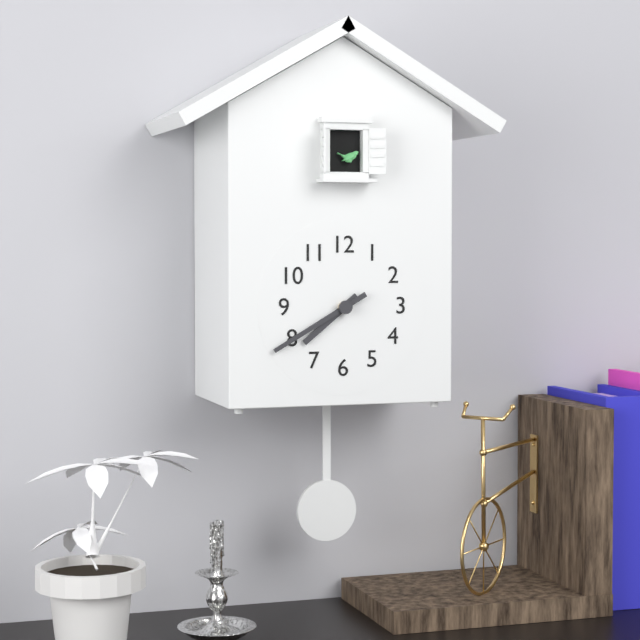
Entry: h=7 m=40
